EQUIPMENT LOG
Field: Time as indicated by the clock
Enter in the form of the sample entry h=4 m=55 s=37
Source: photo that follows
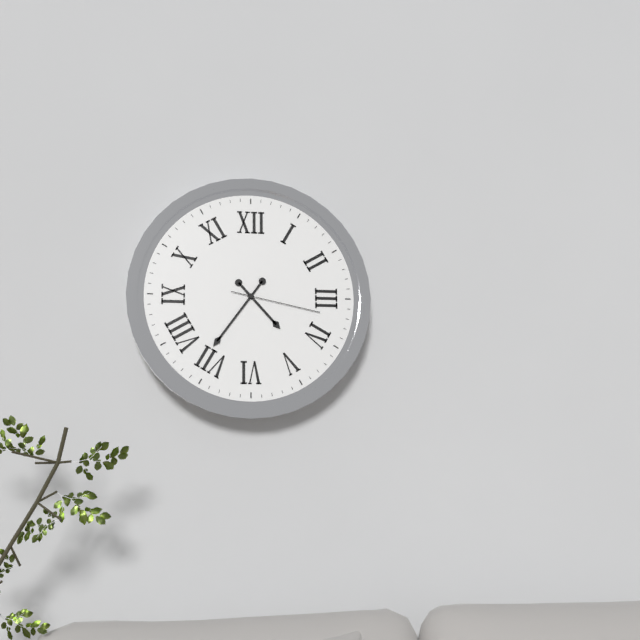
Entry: h=4 m=36 s=17
